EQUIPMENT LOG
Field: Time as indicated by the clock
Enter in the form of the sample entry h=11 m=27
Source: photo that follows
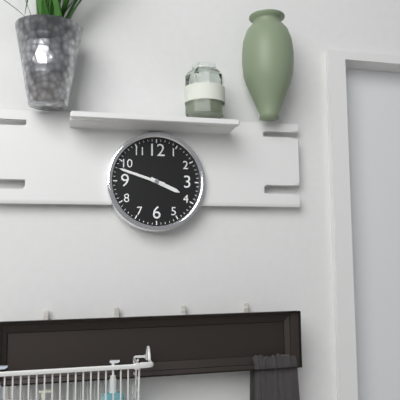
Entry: h=3 m=48
